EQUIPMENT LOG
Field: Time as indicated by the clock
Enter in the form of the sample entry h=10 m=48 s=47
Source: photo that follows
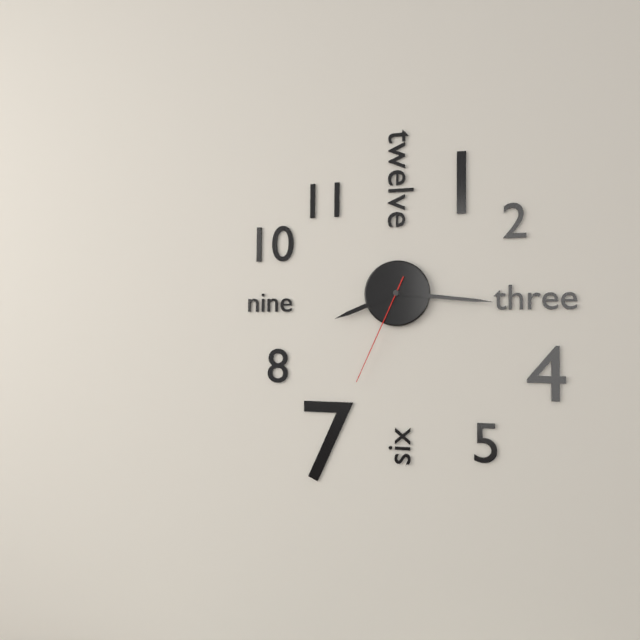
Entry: h=8 m=16 s=34
